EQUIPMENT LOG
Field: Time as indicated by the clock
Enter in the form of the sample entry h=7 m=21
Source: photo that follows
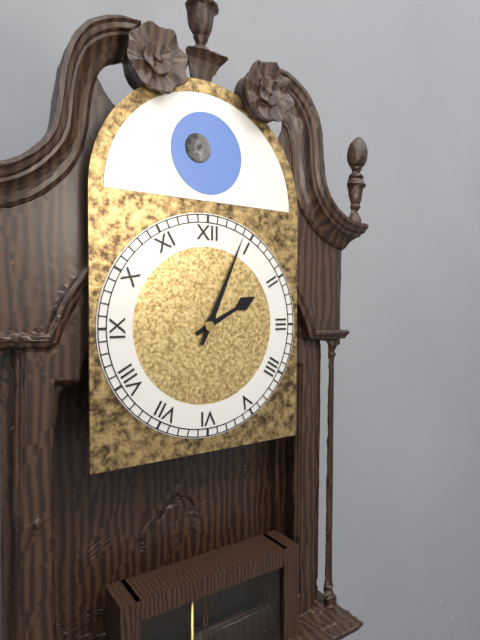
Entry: h=2 m=4
